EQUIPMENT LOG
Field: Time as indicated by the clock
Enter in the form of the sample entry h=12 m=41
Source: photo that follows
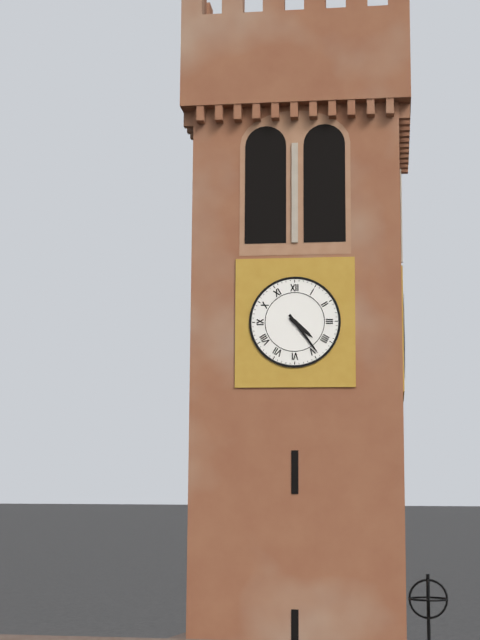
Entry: h=4 m=24
